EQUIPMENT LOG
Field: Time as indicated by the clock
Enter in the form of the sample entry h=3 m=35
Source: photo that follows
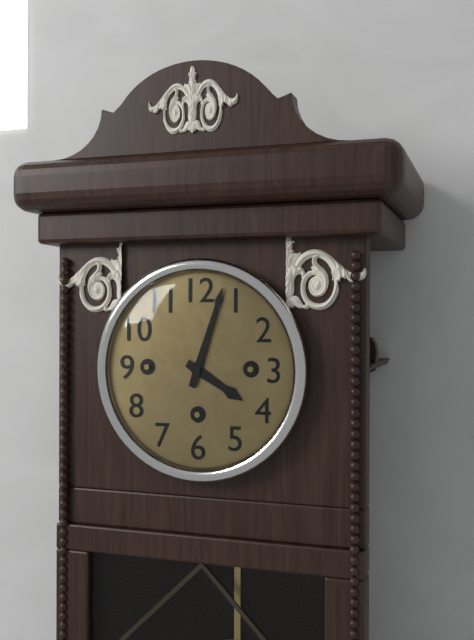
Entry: h=4 m=3
